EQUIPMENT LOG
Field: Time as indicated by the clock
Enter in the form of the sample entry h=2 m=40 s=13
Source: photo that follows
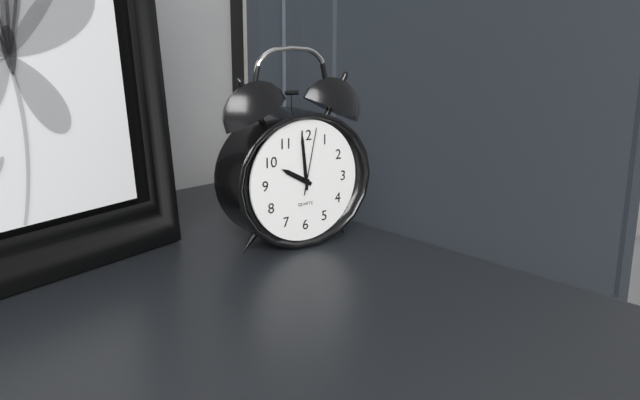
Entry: h=9 m=59 s=2
